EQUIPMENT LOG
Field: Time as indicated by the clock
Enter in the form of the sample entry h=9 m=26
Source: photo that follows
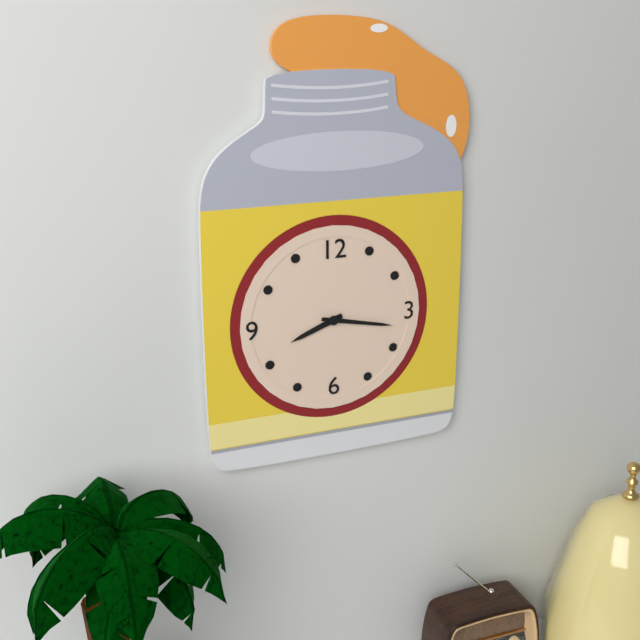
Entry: h=8 m=17
